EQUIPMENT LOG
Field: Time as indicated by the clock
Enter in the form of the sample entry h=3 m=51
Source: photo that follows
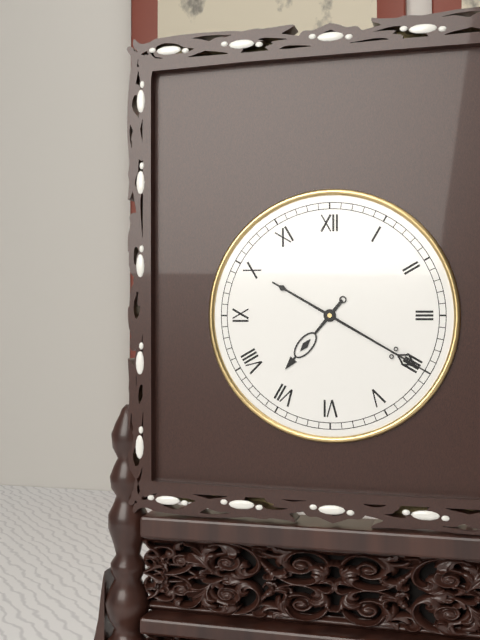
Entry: h=7 m=20
